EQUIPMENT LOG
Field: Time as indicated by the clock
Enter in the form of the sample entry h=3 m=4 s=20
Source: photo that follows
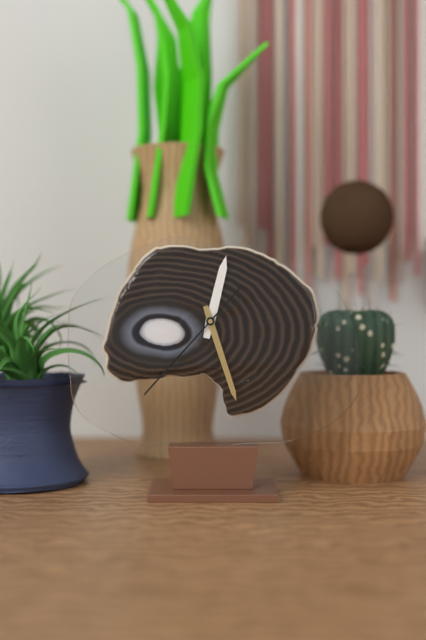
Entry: h=12 m=27 s=37
